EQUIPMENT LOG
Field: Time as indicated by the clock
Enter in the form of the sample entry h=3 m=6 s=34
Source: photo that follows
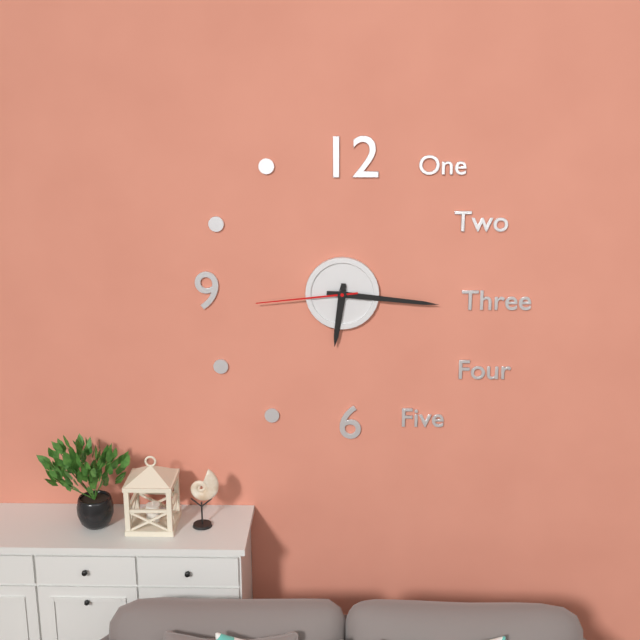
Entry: h=6 m=16 s=44
